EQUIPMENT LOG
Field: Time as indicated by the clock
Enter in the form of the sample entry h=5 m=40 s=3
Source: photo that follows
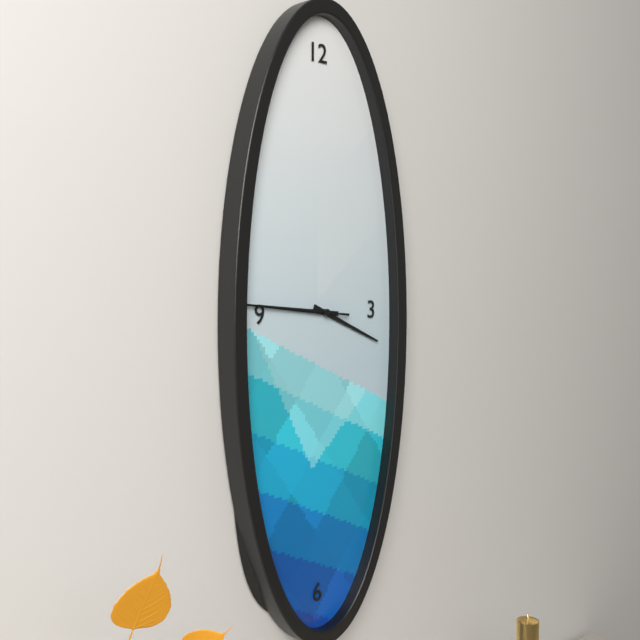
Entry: h=3 m=46 s=46
